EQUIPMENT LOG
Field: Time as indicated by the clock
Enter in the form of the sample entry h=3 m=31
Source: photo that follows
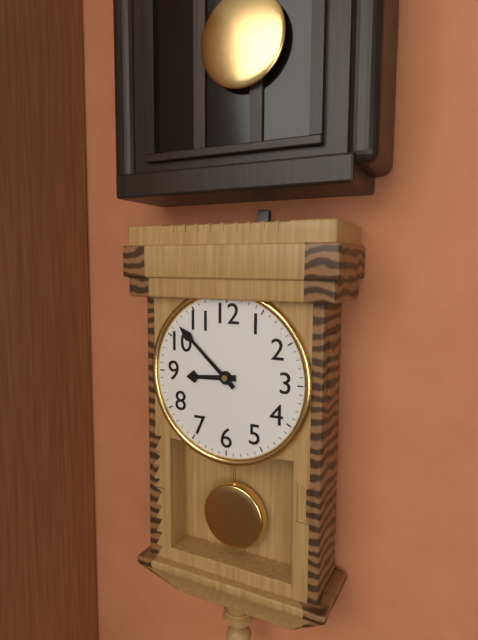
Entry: h=8 m=52
